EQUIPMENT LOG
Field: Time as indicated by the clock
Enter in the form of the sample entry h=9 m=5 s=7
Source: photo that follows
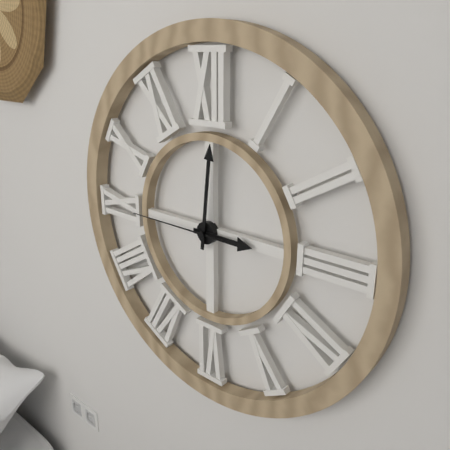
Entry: h=3 m=1 s=45
